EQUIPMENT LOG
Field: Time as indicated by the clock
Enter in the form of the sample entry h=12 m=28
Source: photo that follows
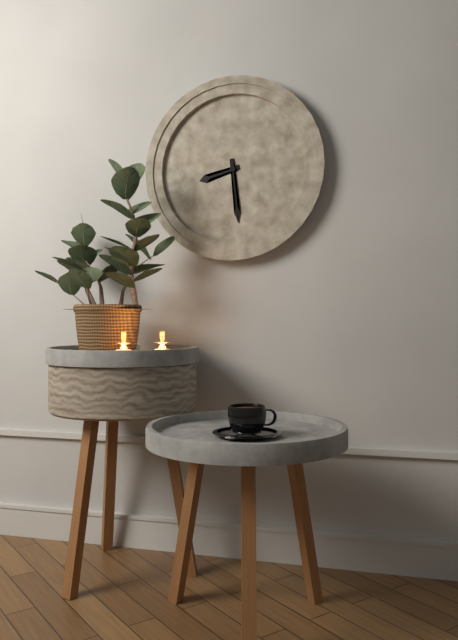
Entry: h=8 m=29
